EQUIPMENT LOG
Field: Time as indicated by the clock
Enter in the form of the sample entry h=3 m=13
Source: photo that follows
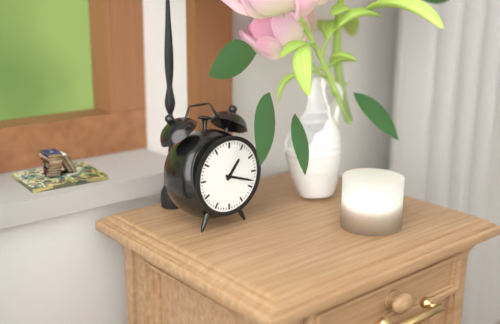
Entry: h=1 m=18
